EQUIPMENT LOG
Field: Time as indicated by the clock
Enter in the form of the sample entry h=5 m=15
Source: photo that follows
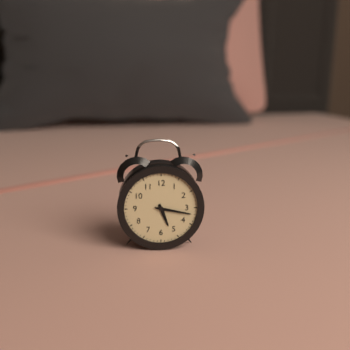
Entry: h=5 m=17
